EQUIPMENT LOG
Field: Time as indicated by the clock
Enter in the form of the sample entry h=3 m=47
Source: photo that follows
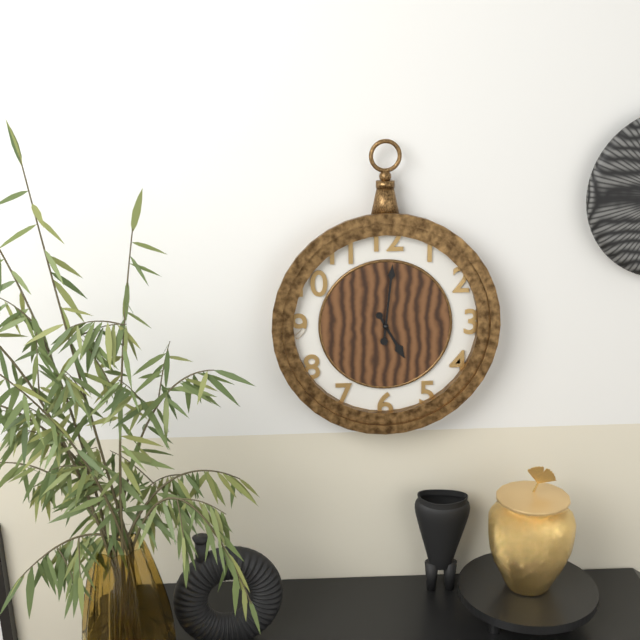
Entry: h=5 m=1
